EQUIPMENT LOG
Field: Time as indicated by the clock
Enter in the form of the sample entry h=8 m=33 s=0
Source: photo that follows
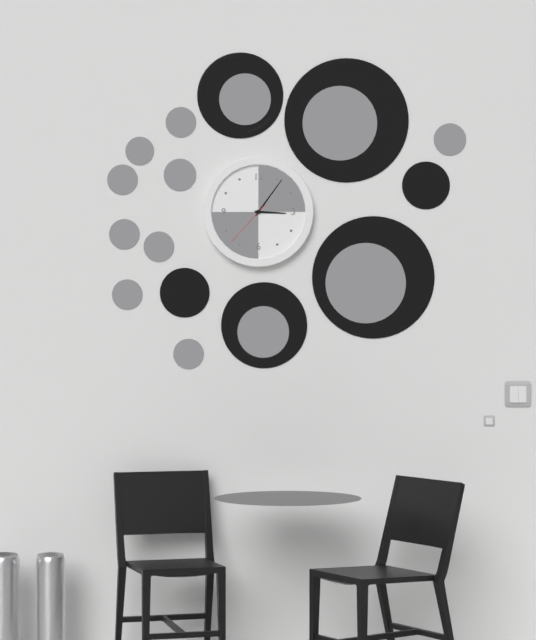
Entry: h=3 m=6 s=37
